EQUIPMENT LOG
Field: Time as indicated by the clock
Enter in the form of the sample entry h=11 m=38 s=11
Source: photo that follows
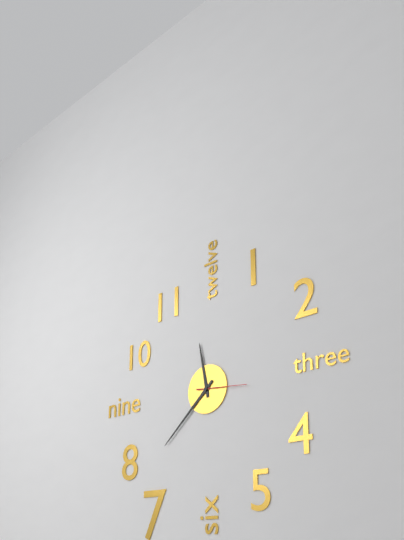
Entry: h=11 m=38 s=16
